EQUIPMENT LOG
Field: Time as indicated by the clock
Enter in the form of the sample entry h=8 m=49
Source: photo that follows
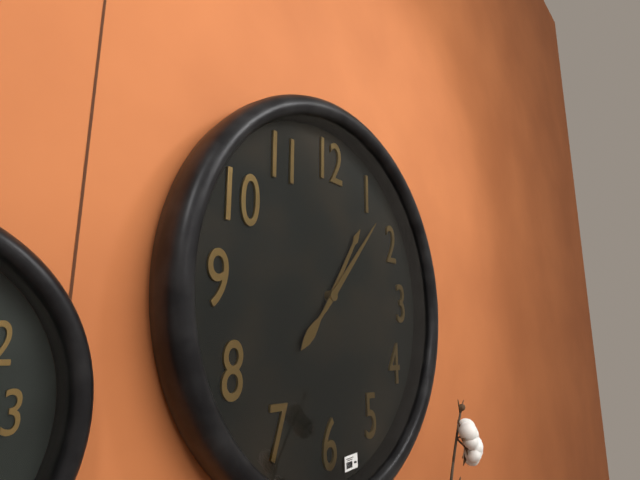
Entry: h=1 m=7
